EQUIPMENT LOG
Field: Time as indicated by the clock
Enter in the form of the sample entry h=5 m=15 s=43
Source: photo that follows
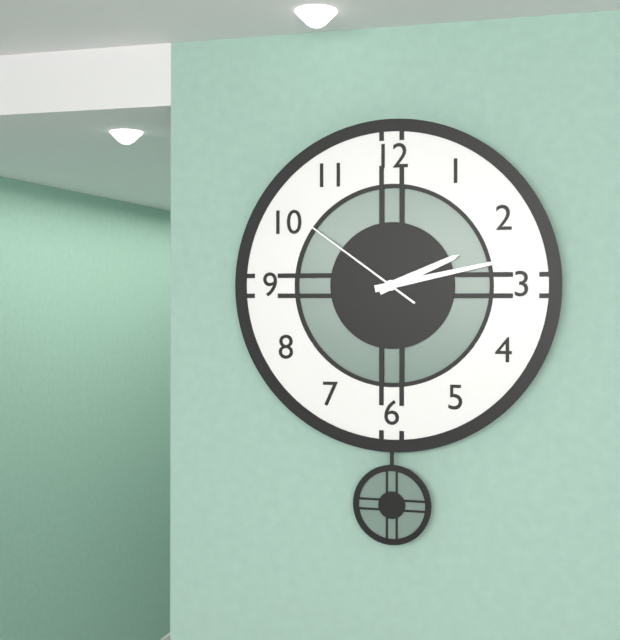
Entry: h=2 m=13 s=51
